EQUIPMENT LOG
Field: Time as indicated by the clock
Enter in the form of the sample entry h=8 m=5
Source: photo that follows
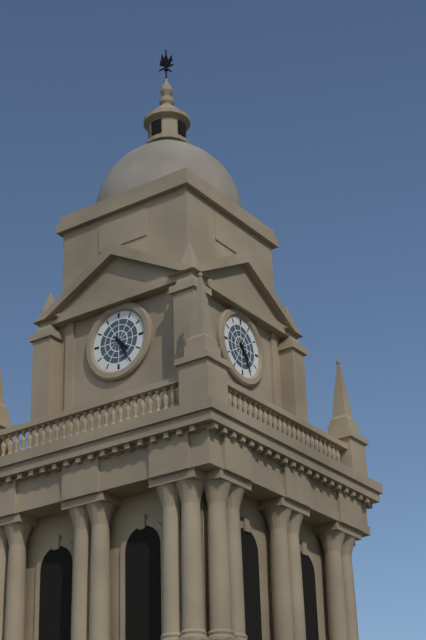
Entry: h=4 m=25
